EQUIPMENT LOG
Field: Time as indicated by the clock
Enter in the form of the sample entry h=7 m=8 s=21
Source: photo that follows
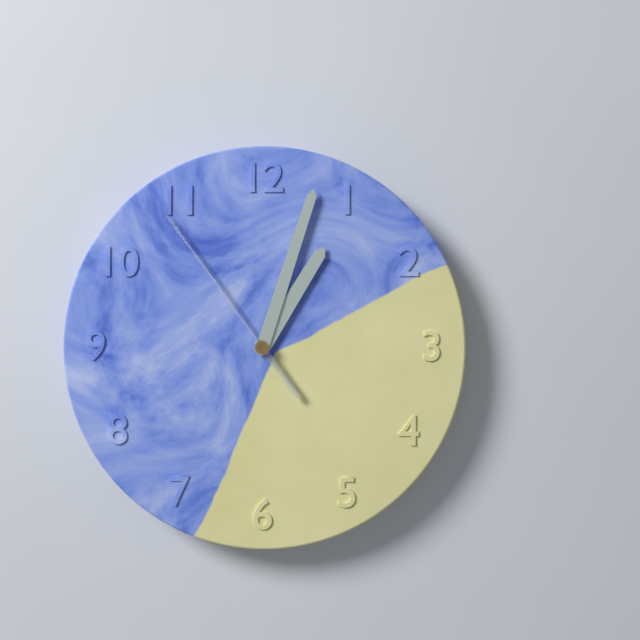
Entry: h=1 m=3 s=54
